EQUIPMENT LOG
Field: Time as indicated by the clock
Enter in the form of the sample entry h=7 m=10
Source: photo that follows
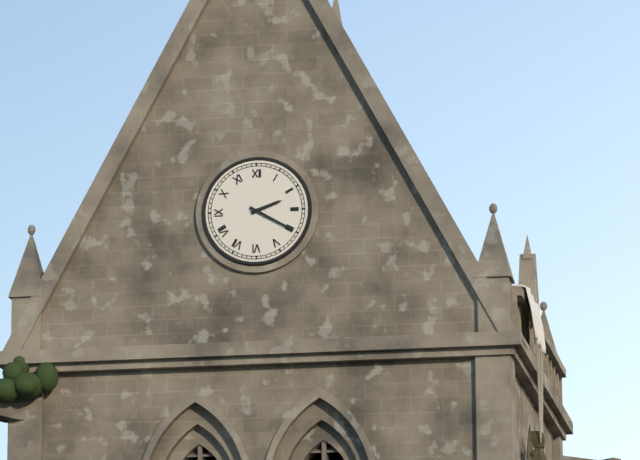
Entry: h=2 m=20
